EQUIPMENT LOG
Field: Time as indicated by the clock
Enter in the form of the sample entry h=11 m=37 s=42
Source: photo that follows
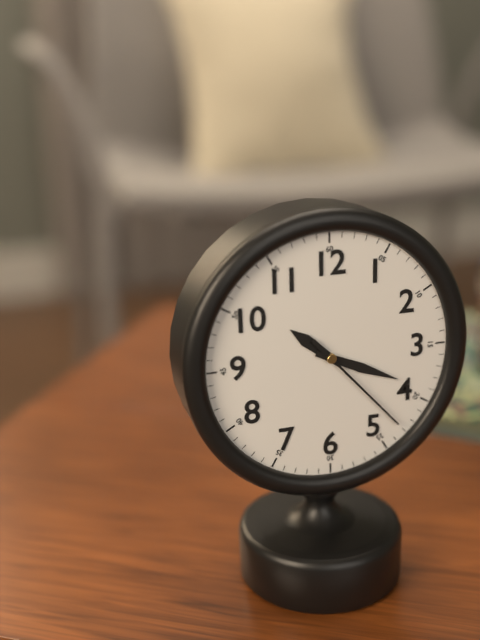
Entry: h=10 m=19 s=23
